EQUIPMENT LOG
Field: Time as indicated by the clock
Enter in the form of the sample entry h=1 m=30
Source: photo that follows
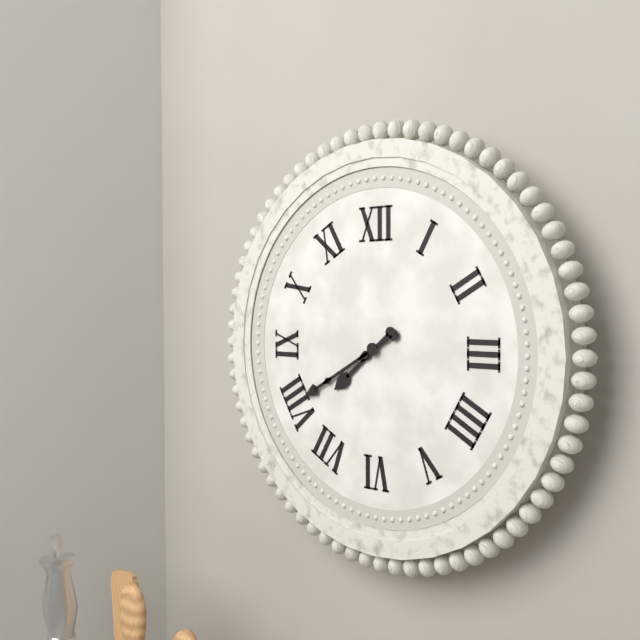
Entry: h=7 m=40
